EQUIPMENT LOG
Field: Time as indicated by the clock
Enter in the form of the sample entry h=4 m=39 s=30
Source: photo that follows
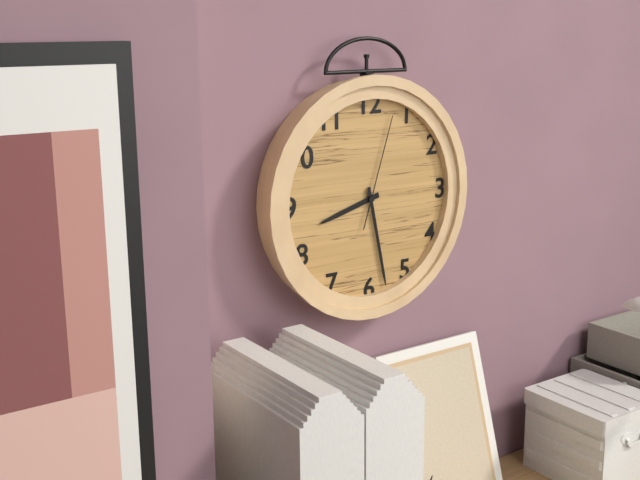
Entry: h=8 m=28 s=3
